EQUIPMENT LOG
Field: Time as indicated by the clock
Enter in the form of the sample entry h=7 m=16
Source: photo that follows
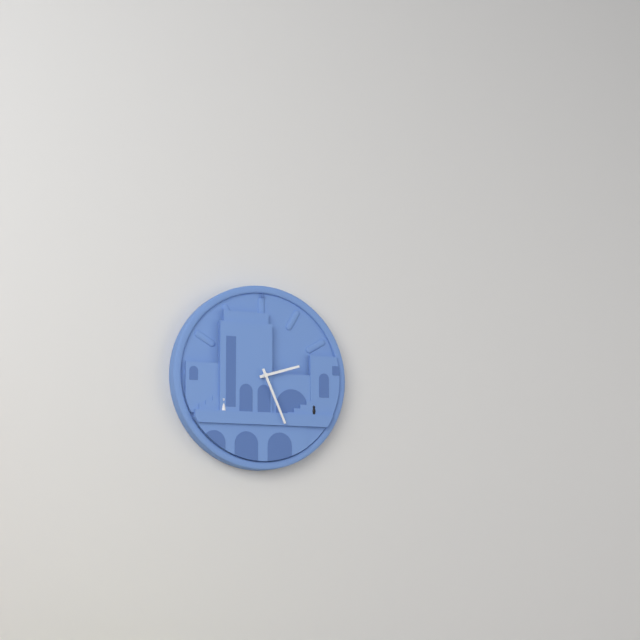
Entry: h=2 m=26
